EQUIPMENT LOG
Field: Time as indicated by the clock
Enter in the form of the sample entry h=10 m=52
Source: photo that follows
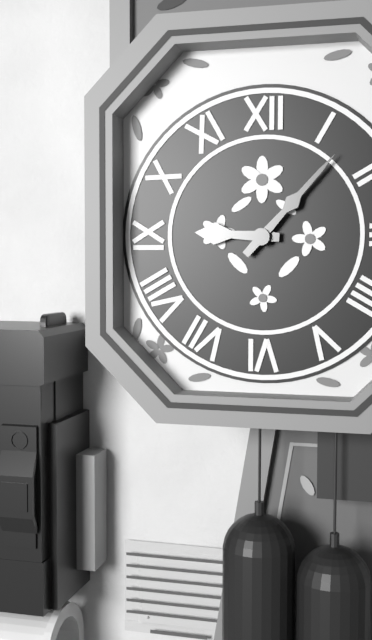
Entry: h=9 m=7
